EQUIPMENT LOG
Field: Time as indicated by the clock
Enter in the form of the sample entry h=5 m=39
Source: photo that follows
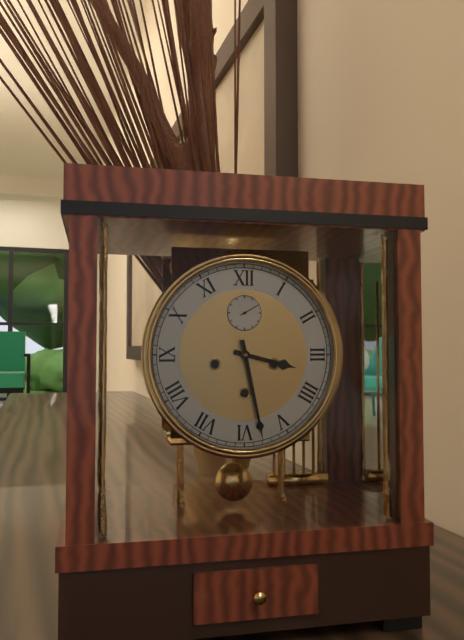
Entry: h=3 m=28
